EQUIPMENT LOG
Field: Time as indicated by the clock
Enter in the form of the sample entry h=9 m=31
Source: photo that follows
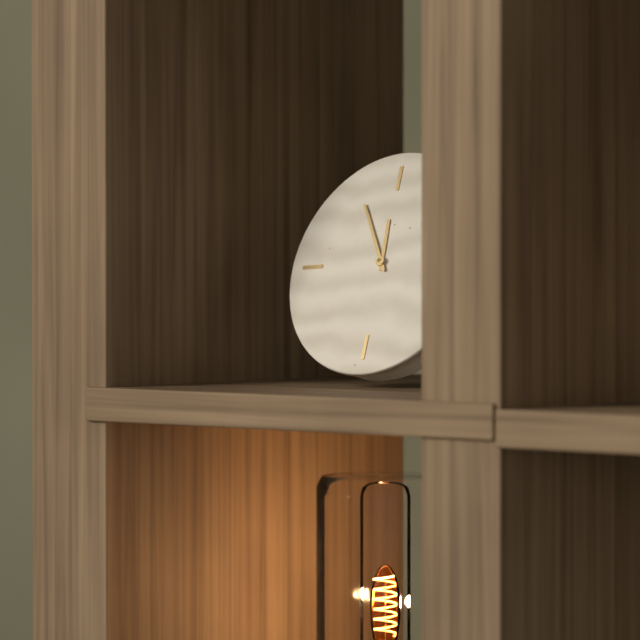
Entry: h=11 m=55
